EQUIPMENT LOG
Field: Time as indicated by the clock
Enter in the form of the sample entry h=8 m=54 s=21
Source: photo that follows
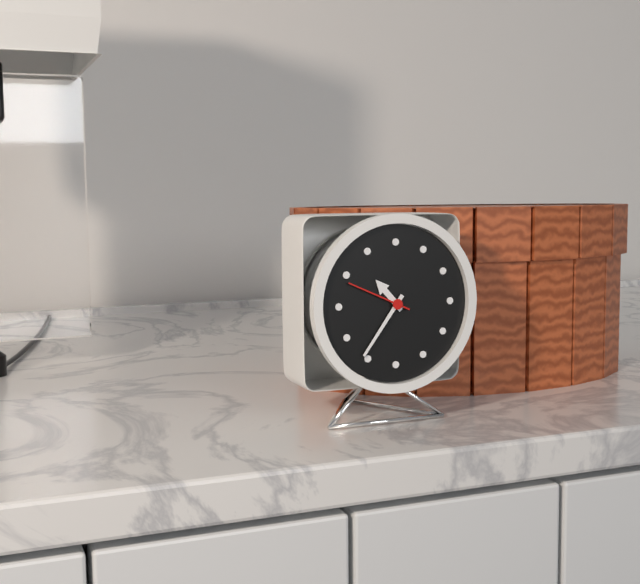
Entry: h=10 m=36 s=49
